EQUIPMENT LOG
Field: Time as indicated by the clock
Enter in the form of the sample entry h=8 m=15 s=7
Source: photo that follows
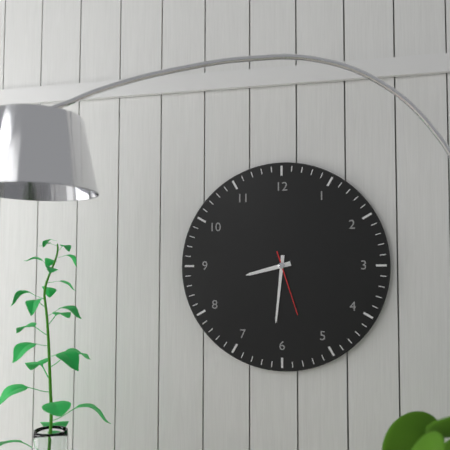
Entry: h=8 m=31 s=27
